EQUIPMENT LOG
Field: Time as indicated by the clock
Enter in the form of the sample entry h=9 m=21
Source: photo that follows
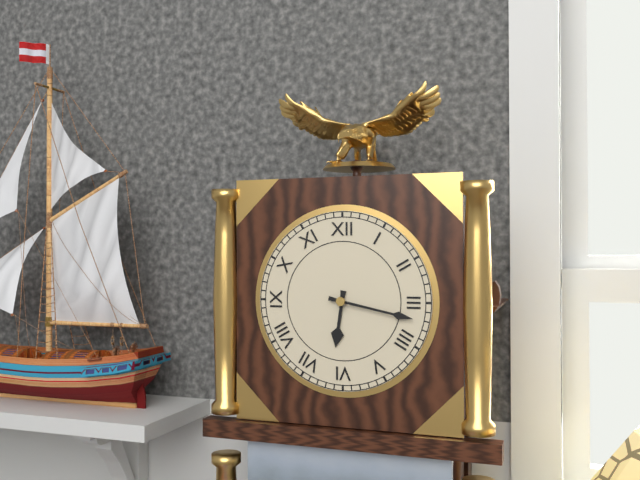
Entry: h=6 m=17
